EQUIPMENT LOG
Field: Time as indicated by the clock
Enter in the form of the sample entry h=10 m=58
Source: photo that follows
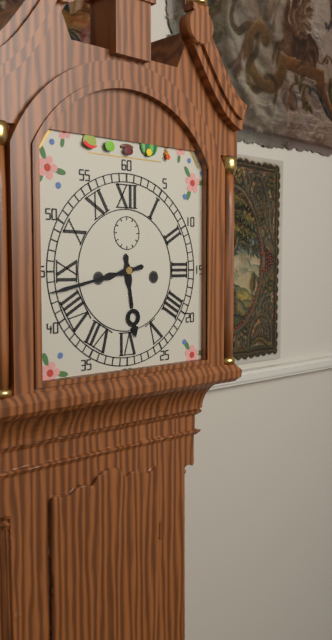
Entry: h=5 m=43
